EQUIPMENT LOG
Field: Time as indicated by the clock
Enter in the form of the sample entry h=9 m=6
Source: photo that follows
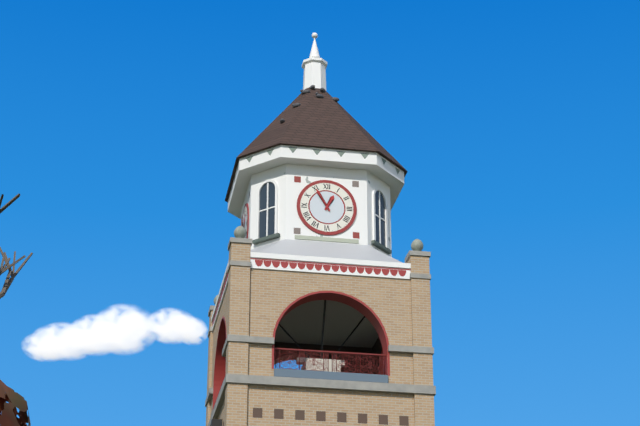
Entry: h=12 m=55
